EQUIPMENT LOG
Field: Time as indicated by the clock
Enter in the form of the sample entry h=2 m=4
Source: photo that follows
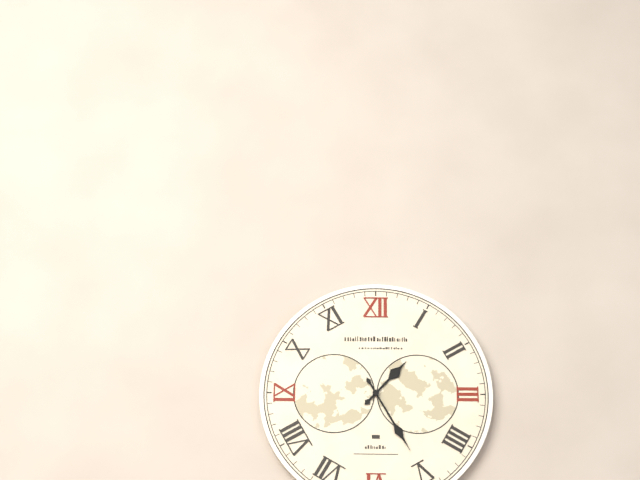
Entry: h=1 m=25
